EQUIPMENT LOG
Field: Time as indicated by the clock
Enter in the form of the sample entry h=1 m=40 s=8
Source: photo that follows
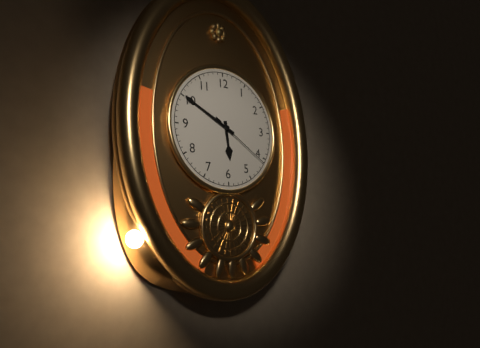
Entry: h=5 m=50 s=21
